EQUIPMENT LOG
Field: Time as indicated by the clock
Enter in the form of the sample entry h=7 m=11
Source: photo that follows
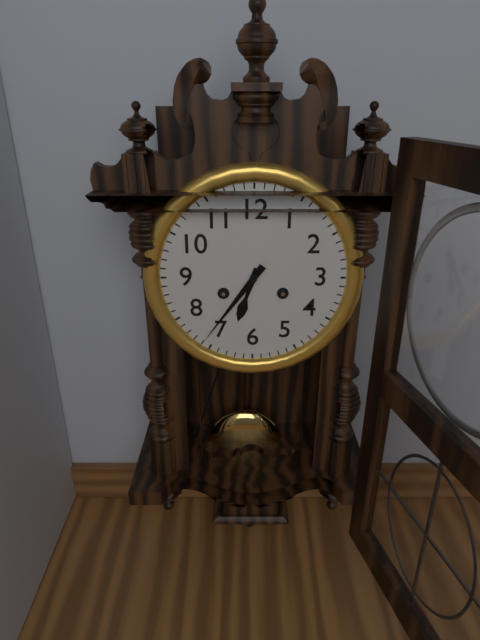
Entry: h=6 m=36
